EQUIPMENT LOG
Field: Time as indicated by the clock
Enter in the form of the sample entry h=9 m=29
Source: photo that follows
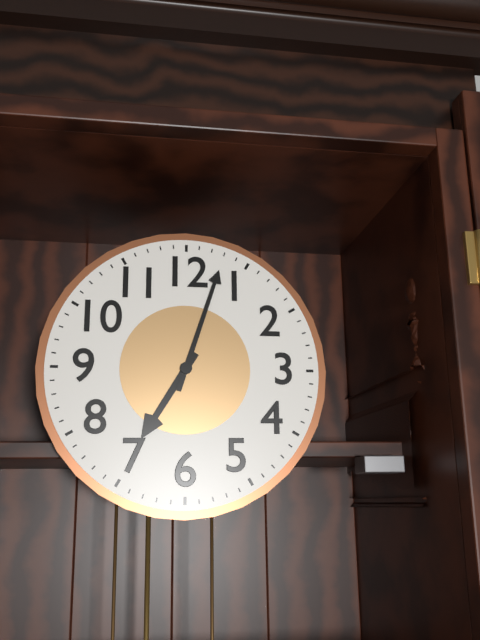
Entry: h=7 m=3
